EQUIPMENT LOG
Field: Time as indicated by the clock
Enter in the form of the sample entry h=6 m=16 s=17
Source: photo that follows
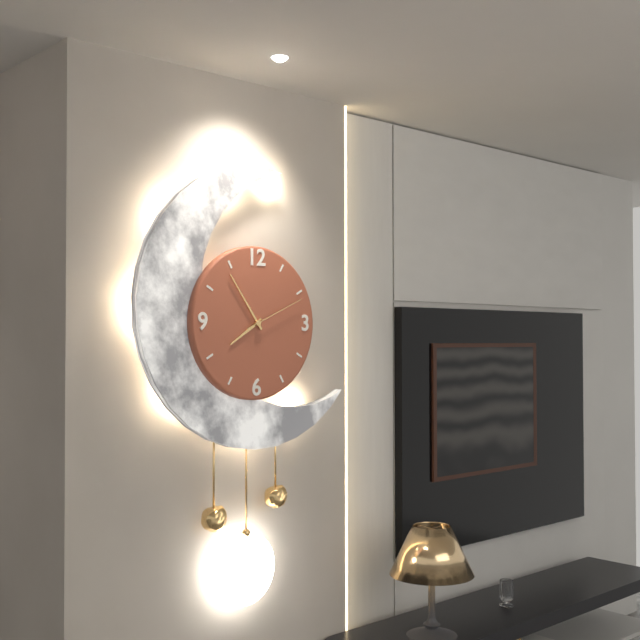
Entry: h=7 m=54 s=11
